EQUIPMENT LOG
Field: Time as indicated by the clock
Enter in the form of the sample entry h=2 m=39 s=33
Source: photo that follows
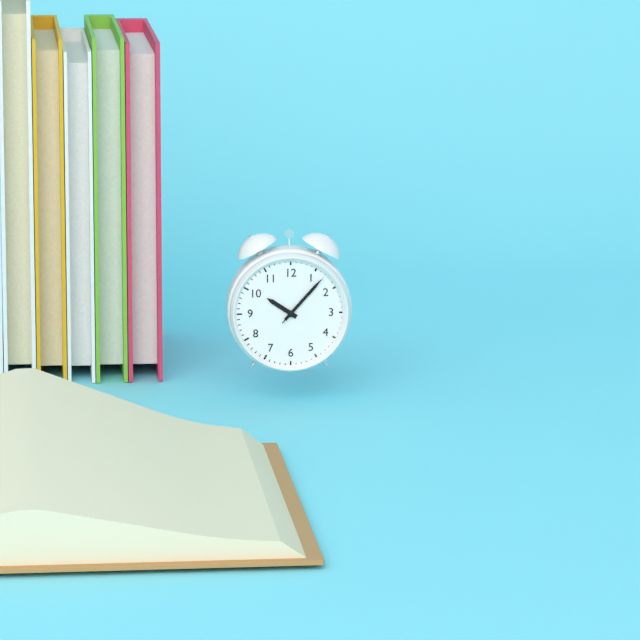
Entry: h=10 m=7 s=7
